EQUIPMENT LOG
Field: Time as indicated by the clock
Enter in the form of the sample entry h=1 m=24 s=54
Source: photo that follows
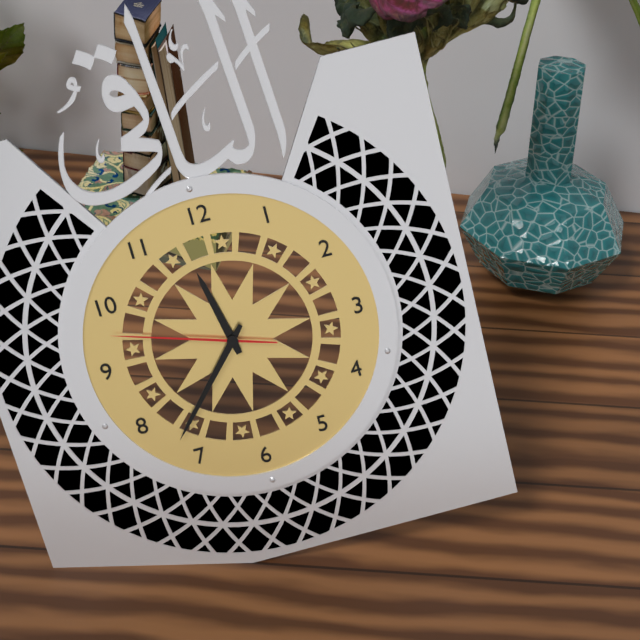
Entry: h=11 m=37 s=48
